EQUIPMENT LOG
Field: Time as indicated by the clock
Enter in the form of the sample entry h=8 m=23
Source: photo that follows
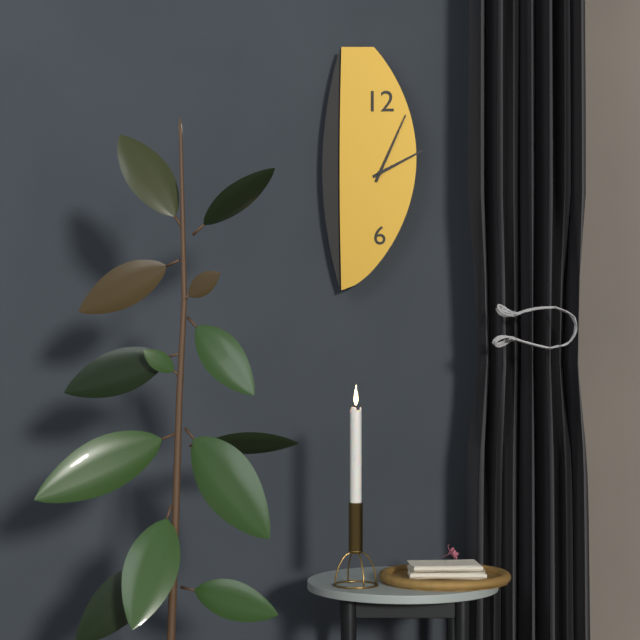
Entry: h=2 m=4
